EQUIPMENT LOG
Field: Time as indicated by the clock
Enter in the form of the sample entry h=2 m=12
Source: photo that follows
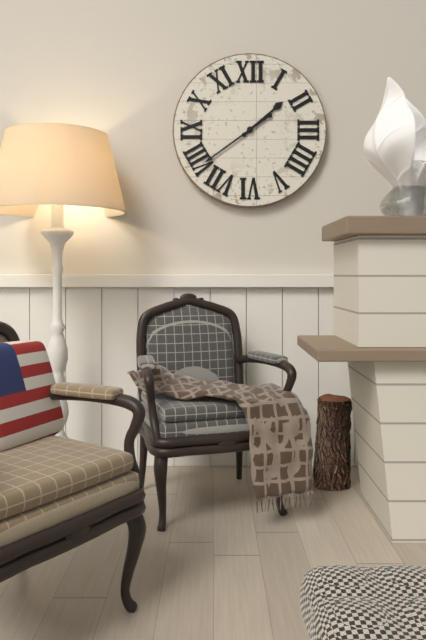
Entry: h=1 m=39
